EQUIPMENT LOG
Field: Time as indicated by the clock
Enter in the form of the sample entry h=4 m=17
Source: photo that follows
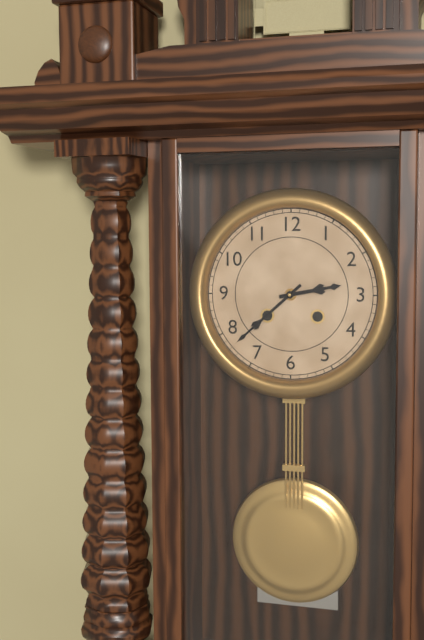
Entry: h=2 m=38
